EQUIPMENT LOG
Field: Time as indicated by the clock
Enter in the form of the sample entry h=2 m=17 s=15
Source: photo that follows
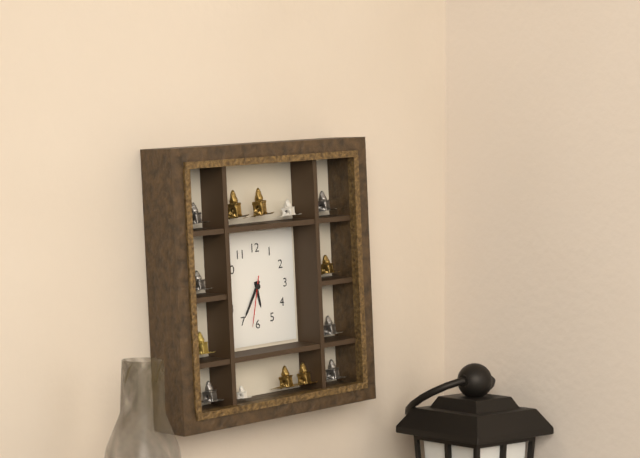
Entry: h=5 m=35 s=32
